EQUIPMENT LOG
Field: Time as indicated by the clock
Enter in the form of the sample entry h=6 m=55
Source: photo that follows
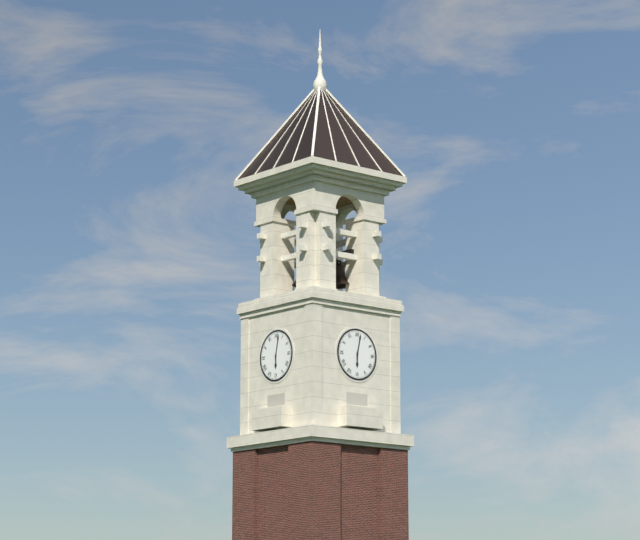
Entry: h=6 m=2
